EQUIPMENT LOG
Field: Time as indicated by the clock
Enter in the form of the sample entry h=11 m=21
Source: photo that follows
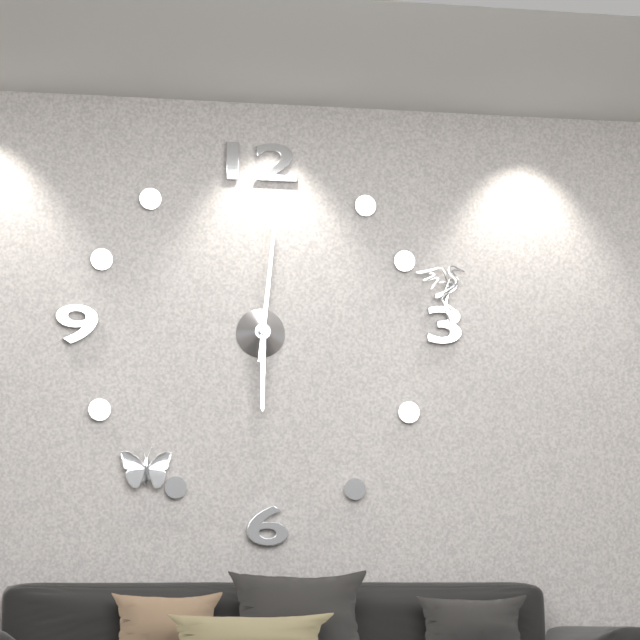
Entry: h=6 m=1
